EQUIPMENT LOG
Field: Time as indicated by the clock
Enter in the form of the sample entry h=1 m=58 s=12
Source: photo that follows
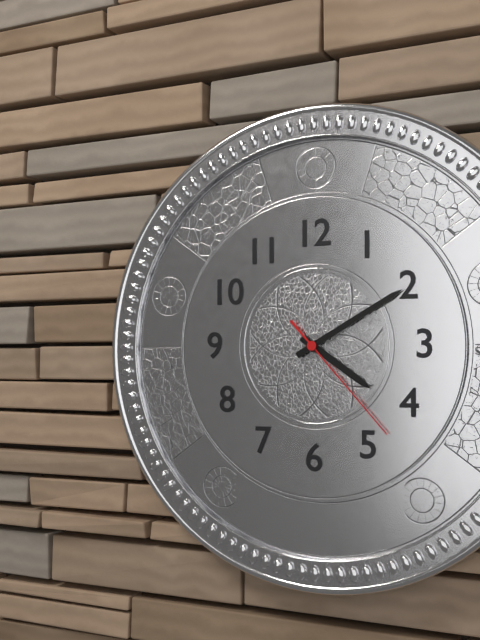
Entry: h=4 m=10 s=23
